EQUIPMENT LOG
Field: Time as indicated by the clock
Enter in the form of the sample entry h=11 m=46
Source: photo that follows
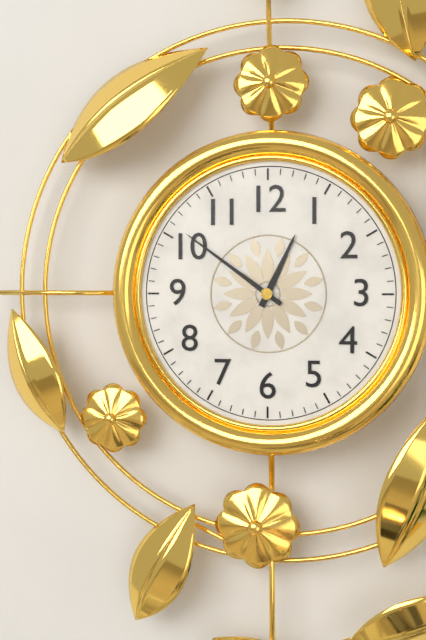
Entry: h=12 m=51
